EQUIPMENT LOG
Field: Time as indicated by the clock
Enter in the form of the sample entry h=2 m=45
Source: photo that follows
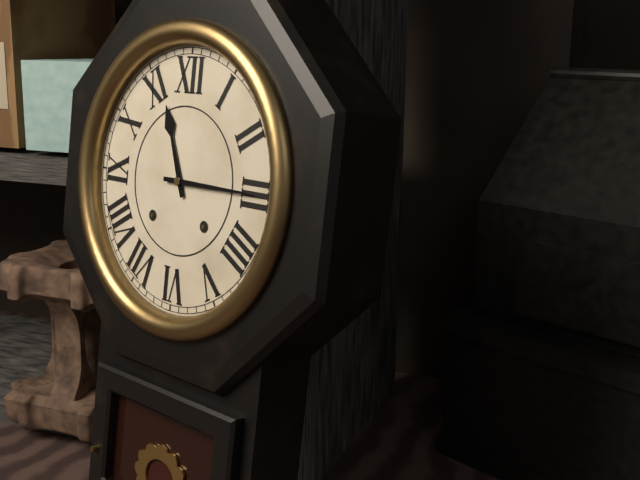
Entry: h=11 m=15
